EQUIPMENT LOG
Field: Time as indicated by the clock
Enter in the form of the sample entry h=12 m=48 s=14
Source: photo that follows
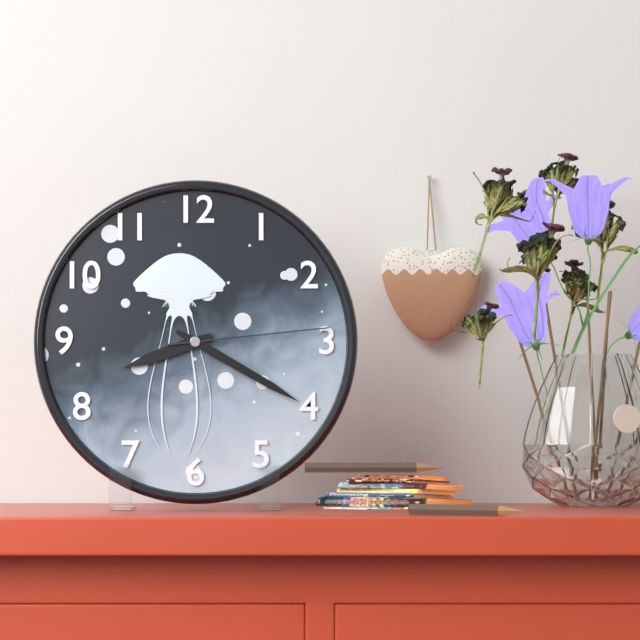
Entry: h=8 m=20 s=14
